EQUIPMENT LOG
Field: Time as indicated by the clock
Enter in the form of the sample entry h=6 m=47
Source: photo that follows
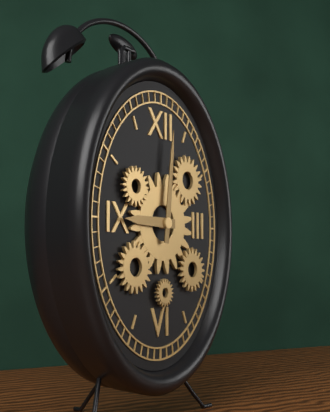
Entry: h=9 m=1
